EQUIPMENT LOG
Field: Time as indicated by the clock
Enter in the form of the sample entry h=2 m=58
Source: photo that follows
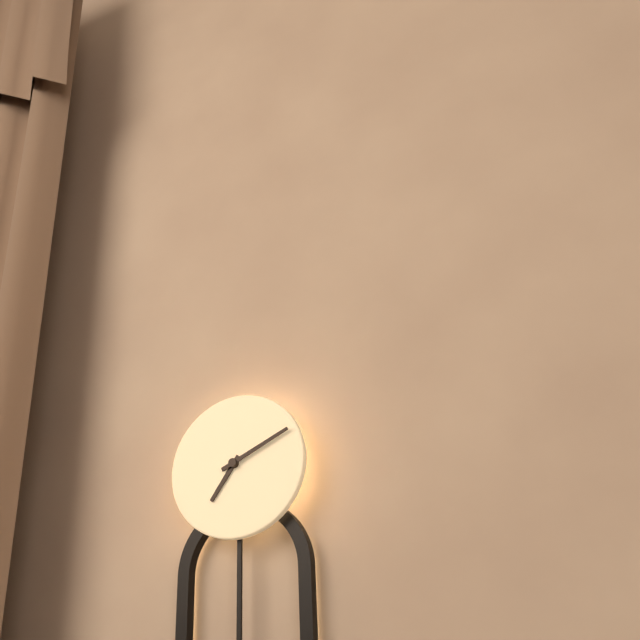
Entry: h=7 m=11
